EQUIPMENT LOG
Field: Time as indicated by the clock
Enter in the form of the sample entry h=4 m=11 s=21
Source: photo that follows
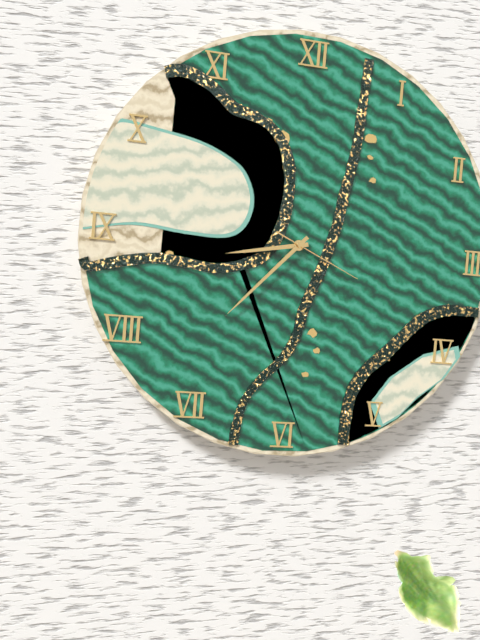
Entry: h=8 m=37 s=19
